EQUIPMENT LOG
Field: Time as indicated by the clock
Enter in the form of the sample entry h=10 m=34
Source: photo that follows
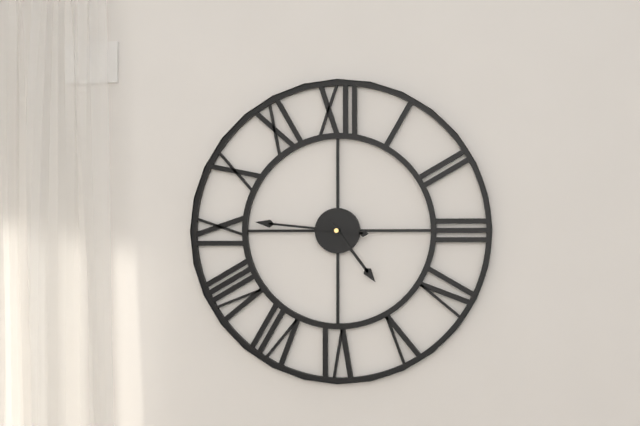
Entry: h=4 m=46
